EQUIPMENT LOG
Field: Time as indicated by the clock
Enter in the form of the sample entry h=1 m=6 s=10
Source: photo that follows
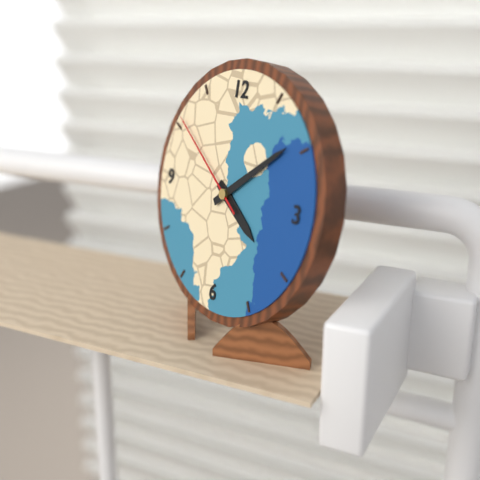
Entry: h=4 m=9 s=51
